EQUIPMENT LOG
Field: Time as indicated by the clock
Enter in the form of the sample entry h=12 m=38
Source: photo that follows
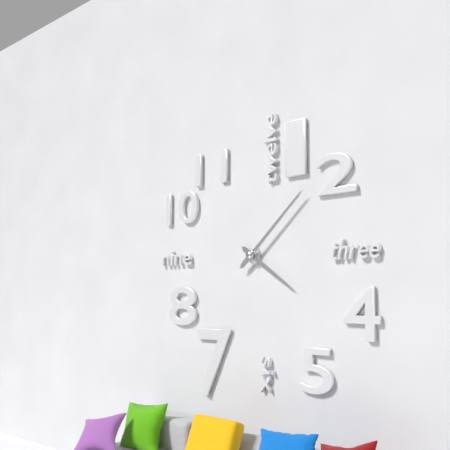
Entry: h=4 m=8
